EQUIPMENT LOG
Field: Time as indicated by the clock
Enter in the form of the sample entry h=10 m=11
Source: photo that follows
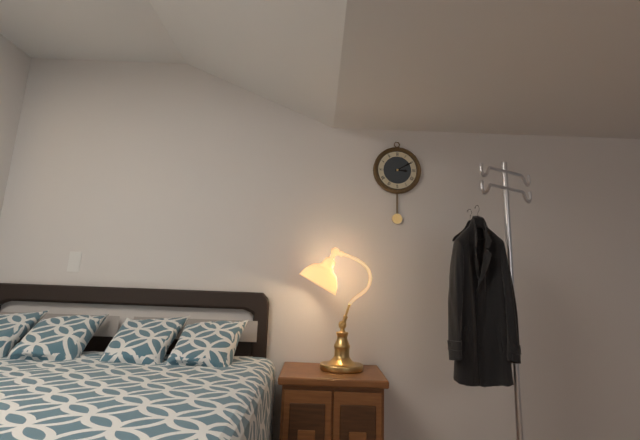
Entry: h=3 m=10
